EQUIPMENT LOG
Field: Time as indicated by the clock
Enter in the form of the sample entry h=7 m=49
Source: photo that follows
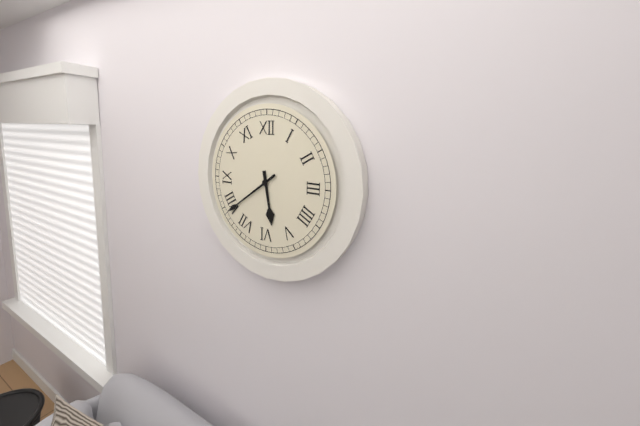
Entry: h=5 m=39
